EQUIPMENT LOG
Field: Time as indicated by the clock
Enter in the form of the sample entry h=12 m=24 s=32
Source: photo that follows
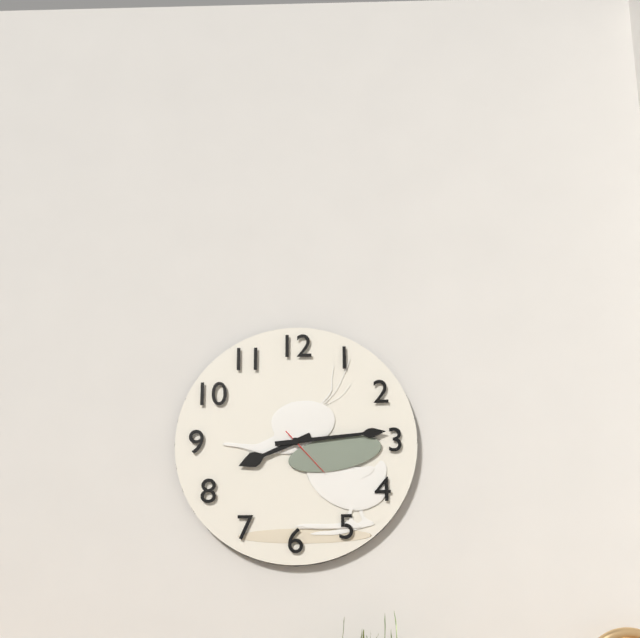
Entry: h=8 m=14 s=23
